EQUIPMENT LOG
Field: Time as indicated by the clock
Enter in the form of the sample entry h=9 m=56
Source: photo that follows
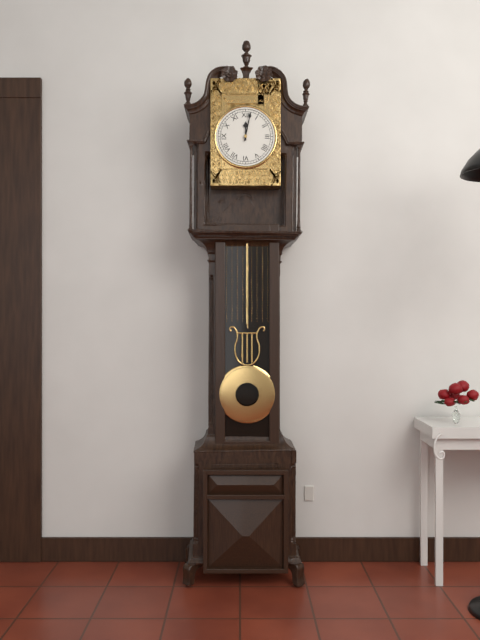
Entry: h=12 m=2
